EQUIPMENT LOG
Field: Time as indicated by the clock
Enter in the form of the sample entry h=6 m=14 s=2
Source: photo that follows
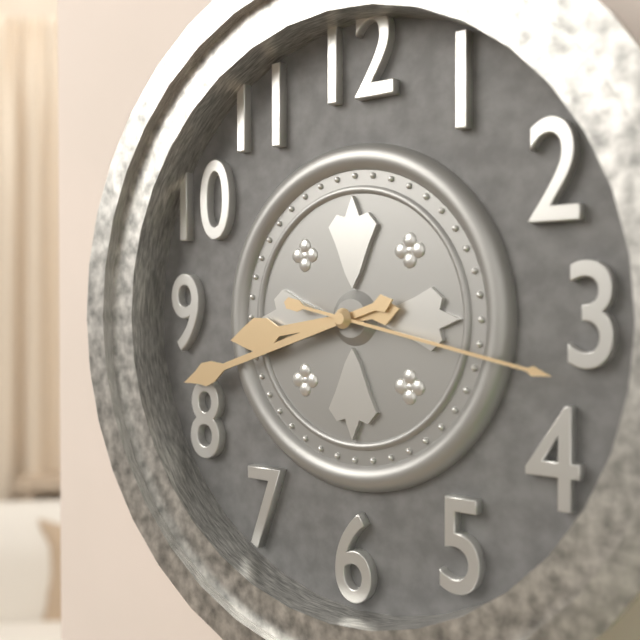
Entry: h=8 m=42 s=17
